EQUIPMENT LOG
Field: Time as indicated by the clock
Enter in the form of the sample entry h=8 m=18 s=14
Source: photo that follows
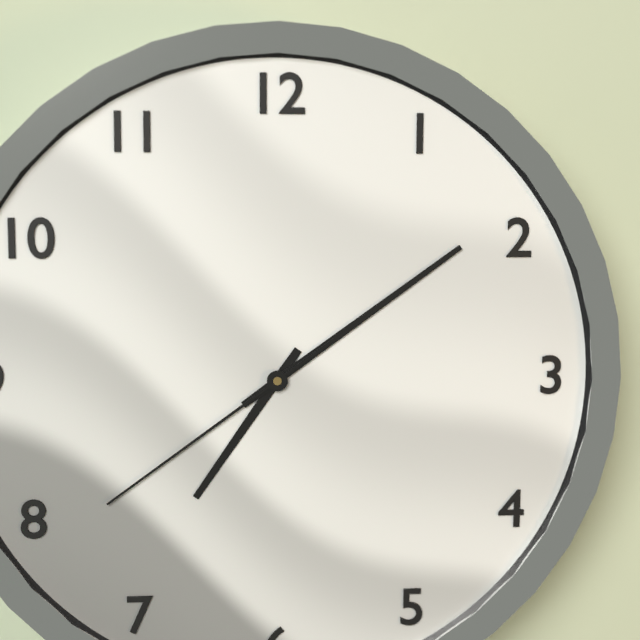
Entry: h=7 m=9 s=39
